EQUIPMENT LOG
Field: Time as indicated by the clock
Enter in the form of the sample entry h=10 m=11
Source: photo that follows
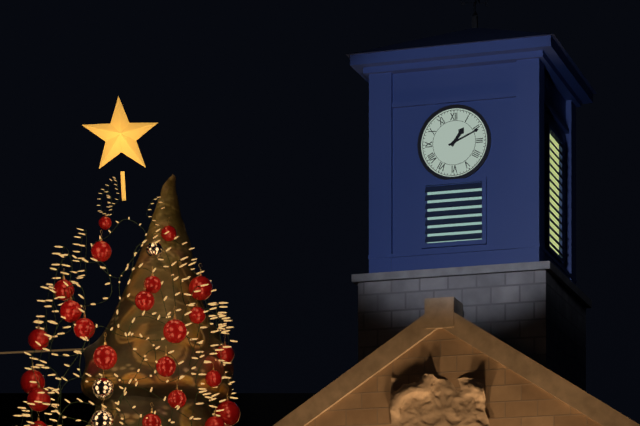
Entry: h=1 m=11
